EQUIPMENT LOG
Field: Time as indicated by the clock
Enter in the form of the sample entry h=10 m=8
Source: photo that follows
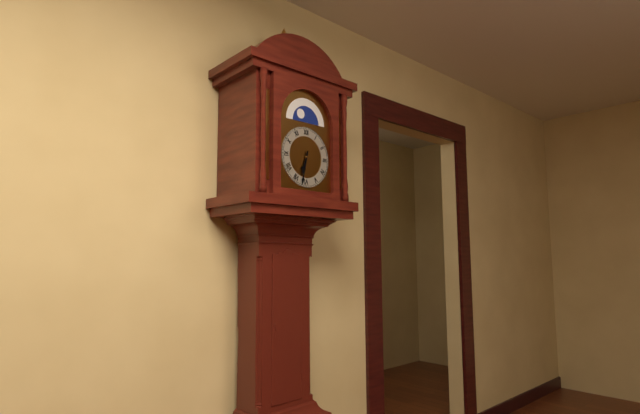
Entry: h=6 m=32
